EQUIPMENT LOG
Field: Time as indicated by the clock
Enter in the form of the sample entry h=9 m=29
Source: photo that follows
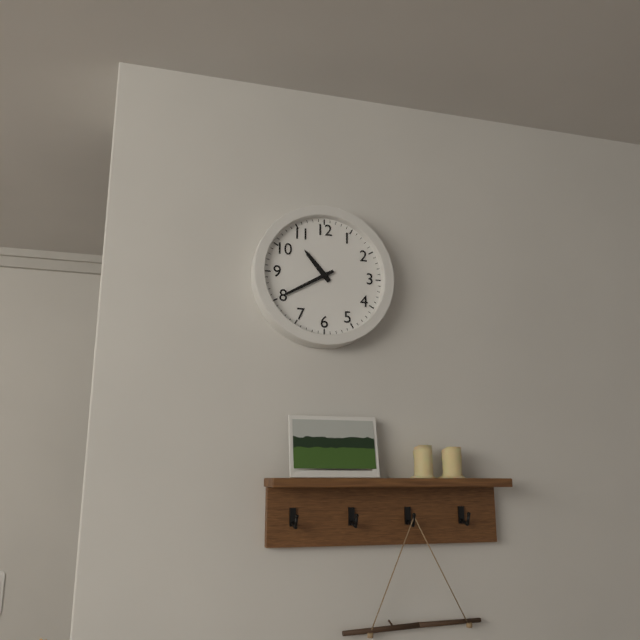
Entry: h=10 m=40
